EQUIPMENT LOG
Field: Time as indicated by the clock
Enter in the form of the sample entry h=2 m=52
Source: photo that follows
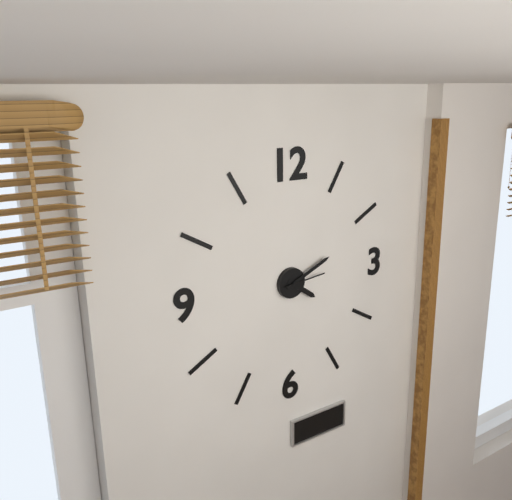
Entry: h=4 m=11
